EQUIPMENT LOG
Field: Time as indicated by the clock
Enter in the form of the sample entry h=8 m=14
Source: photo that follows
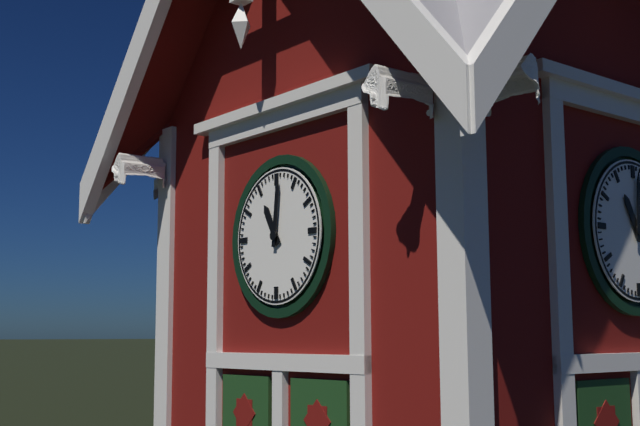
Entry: h=11 m=1
